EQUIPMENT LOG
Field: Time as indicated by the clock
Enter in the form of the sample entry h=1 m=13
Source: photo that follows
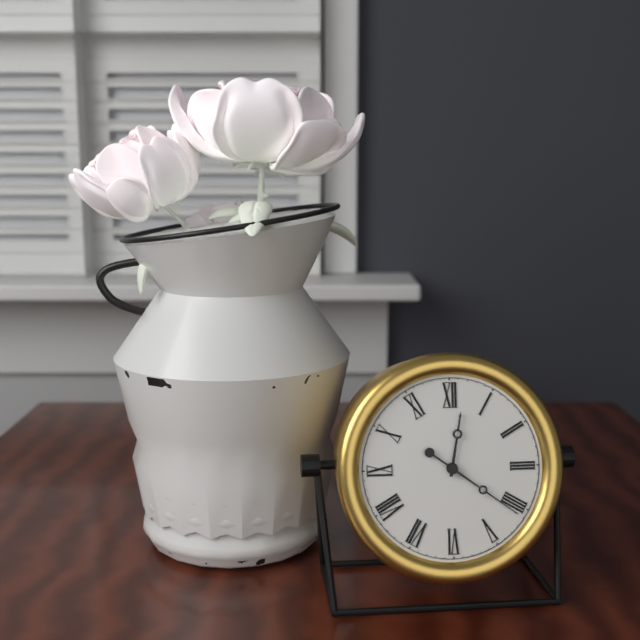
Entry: h=12 m=21
